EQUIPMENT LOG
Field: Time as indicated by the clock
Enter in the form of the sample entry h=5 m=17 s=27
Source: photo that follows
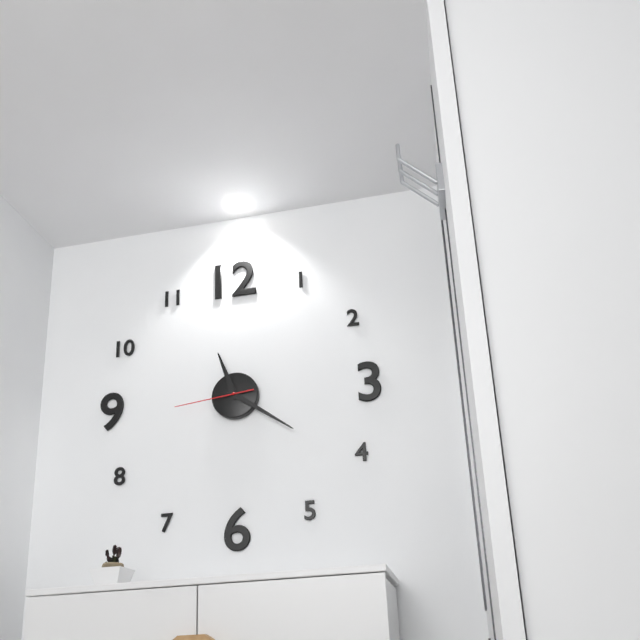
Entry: h=11 m=21 s=44
